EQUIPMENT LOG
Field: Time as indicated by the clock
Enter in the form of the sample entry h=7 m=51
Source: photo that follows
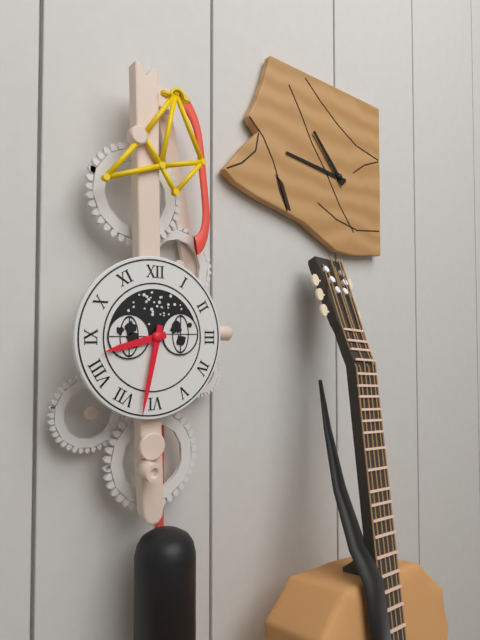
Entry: h=8 m=32
